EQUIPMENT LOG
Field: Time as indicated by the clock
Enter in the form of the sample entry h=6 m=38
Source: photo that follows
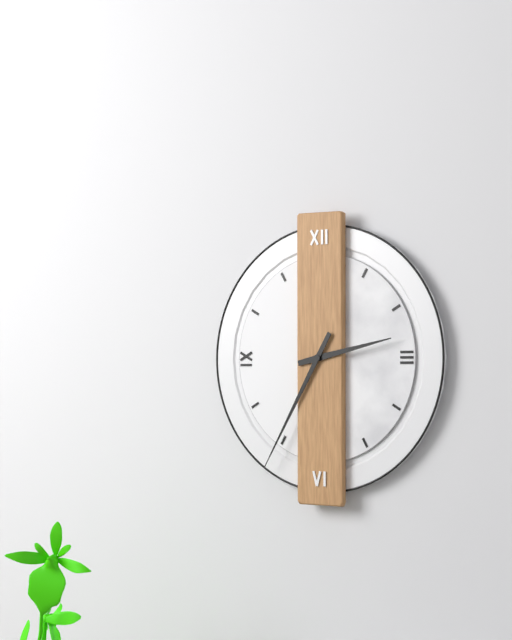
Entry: h=2 m=35
